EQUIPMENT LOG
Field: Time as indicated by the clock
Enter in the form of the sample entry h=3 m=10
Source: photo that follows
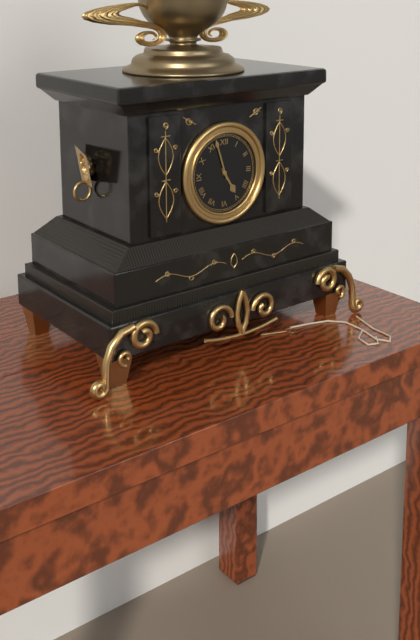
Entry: h=4 m=57
